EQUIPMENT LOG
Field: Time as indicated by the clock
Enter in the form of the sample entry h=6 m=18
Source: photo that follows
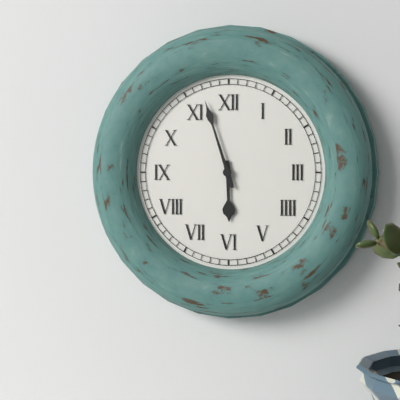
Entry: h=5 m=57
